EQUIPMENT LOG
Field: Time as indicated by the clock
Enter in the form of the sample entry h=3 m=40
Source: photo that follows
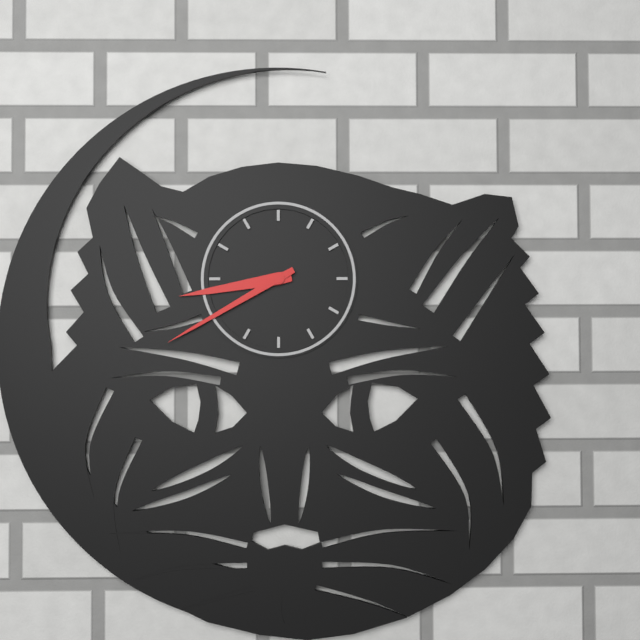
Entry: h=8 m=40
